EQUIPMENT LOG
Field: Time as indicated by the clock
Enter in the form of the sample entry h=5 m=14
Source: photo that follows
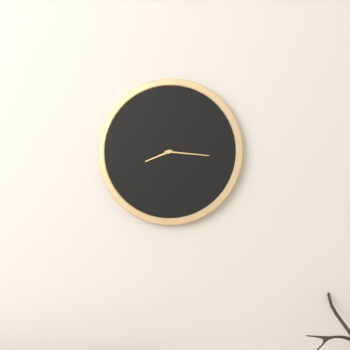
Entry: h=8 m=16
